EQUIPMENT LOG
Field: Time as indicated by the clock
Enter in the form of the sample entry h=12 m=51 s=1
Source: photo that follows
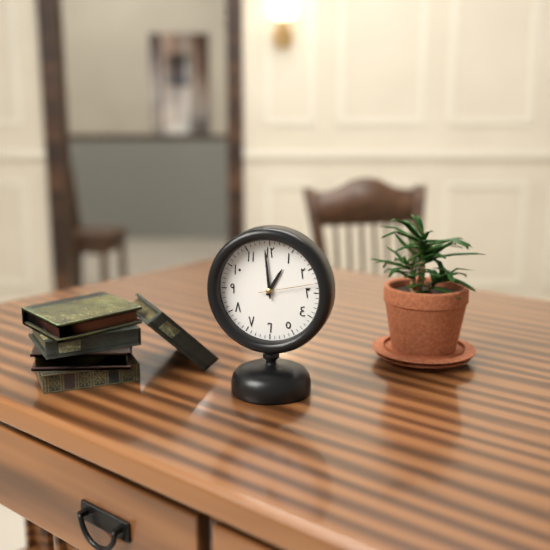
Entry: h=12 m=59 s=13
